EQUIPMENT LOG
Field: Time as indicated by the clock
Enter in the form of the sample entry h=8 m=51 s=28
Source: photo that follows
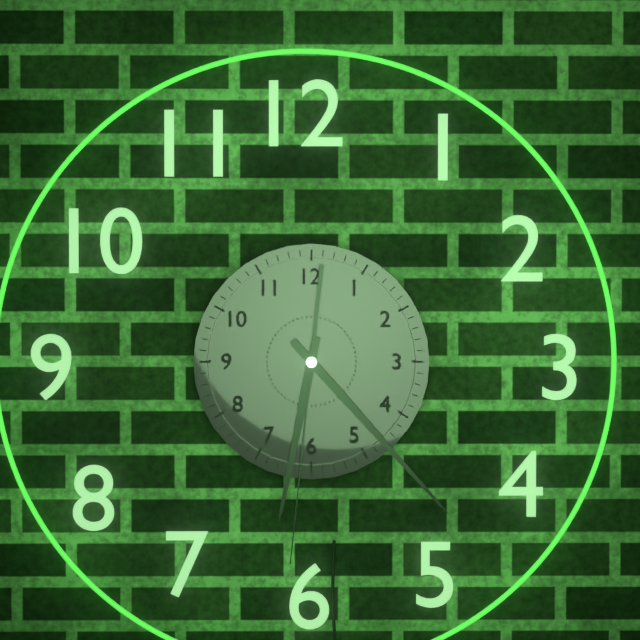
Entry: h=6 m=23 s=31
